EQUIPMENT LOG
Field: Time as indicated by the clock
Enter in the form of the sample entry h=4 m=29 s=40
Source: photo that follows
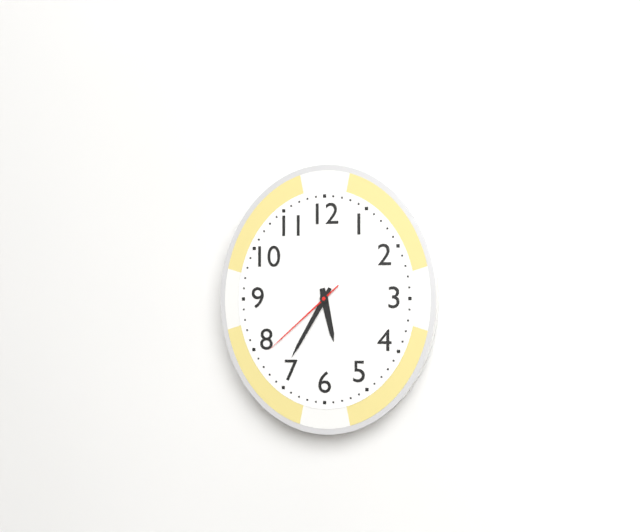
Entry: h=5 m=35 s=38
